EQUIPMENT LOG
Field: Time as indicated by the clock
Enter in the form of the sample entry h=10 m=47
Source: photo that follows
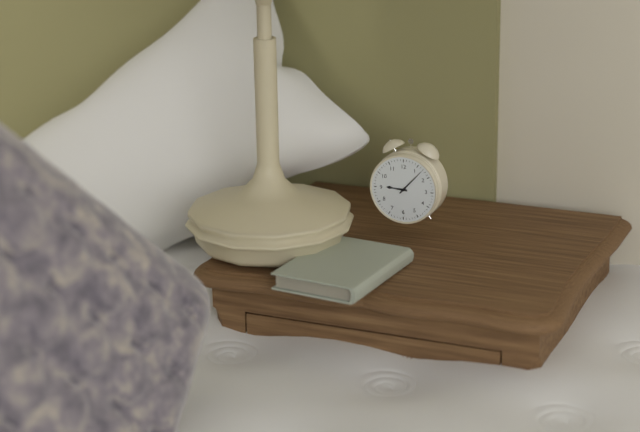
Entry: h=9 m=7
